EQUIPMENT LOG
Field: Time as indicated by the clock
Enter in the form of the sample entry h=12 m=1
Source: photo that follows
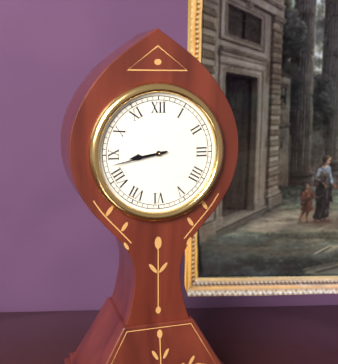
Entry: h=8 m=43
